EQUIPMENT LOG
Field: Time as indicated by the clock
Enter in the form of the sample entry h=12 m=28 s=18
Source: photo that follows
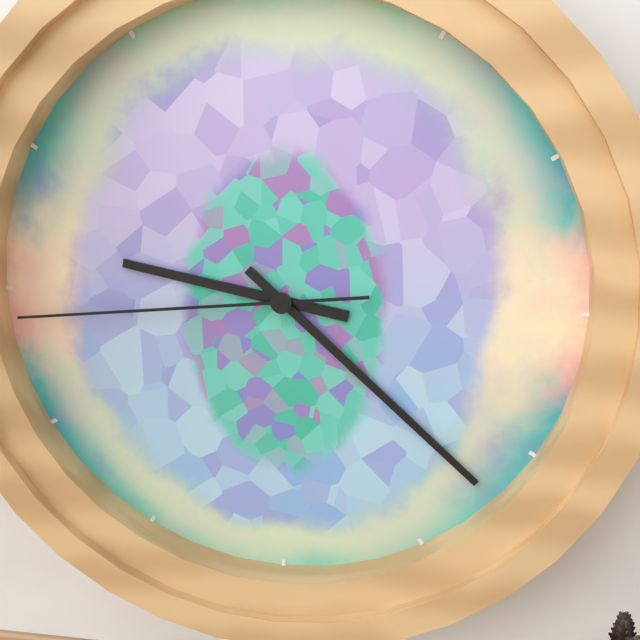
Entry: h=9 m=22 s=44
